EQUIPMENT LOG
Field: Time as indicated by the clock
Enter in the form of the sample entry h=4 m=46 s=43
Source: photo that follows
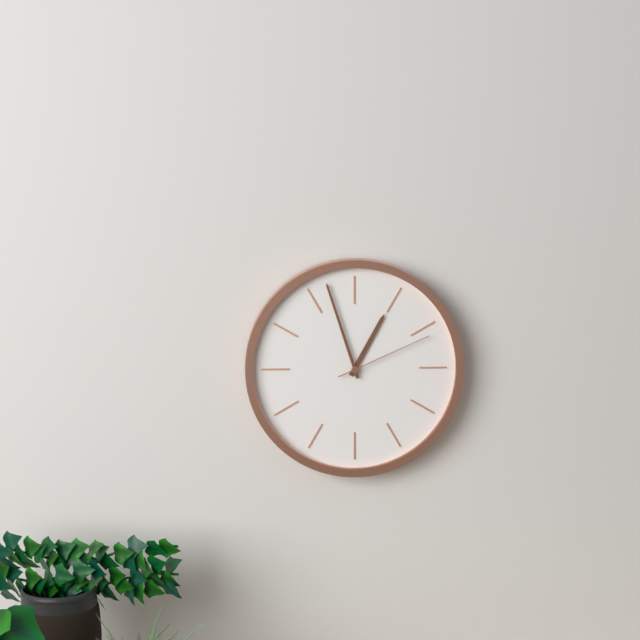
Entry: h=12 m=57 s=11
